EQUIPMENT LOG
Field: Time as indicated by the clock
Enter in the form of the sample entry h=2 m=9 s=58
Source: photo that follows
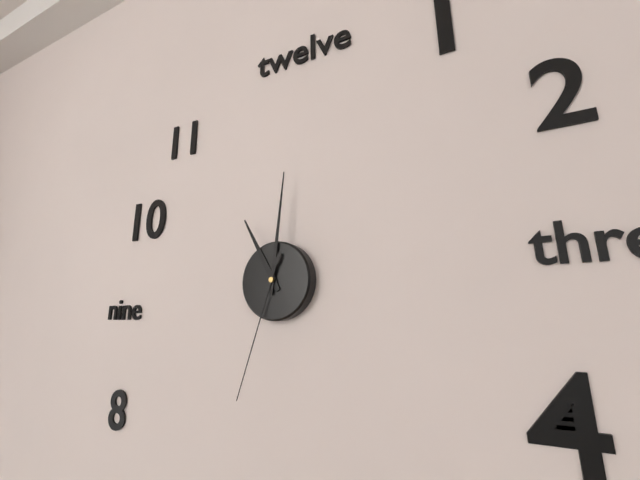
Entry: h=11 m=1 s=33
